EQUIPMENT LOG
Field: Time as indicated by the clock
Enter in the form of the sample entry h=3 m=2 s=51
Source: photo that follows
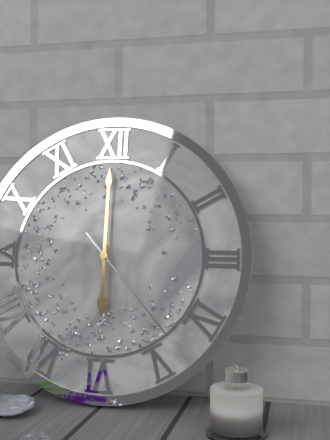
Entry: h=6 m=0 s=23
